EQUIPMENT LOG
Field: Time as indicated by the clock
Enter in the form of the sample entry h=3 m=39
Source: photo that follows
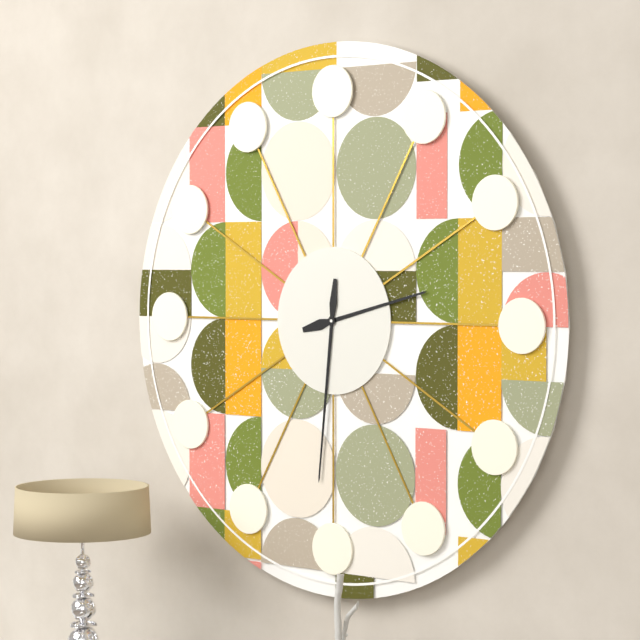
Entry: h=2 m=31
